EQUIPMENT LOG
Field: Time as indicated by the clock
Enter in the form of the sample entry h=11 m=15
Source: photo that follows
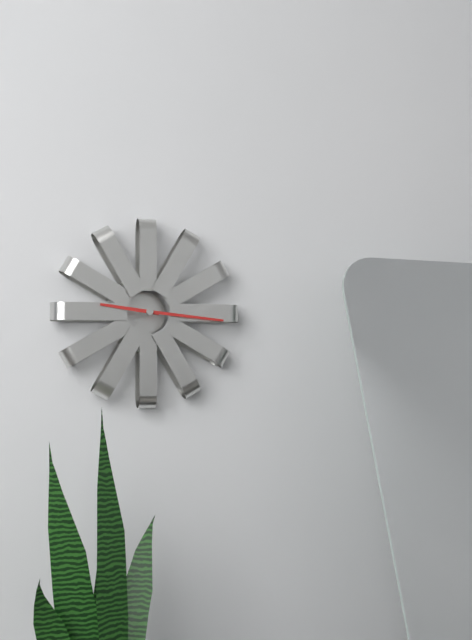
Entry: h=9 m=16
